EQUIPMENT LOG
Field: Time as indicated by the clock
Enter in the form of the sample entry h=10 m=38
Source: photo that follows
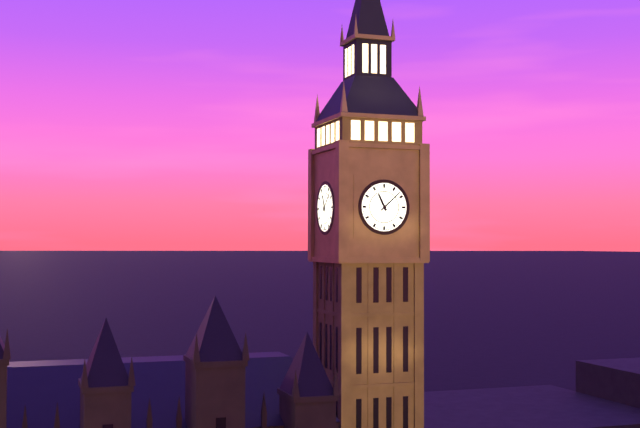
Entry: h=11 m=8
